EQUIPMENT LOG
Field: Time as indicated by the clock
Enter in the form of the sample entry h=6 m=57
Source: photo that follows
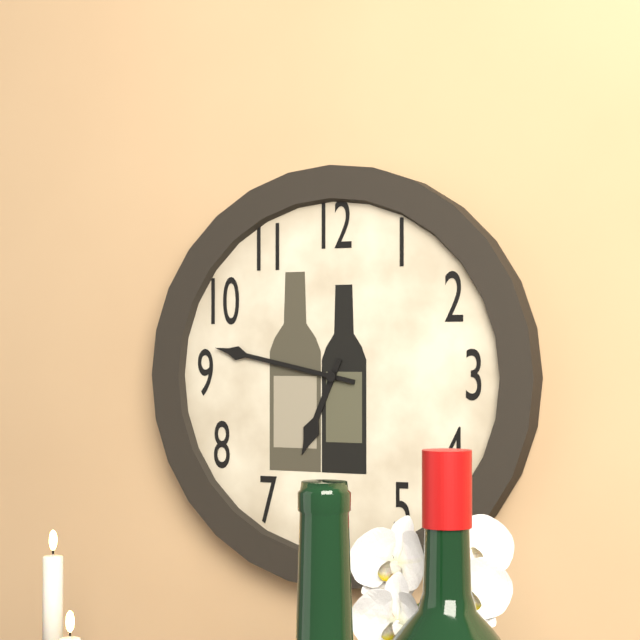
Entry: h=6 m=47
